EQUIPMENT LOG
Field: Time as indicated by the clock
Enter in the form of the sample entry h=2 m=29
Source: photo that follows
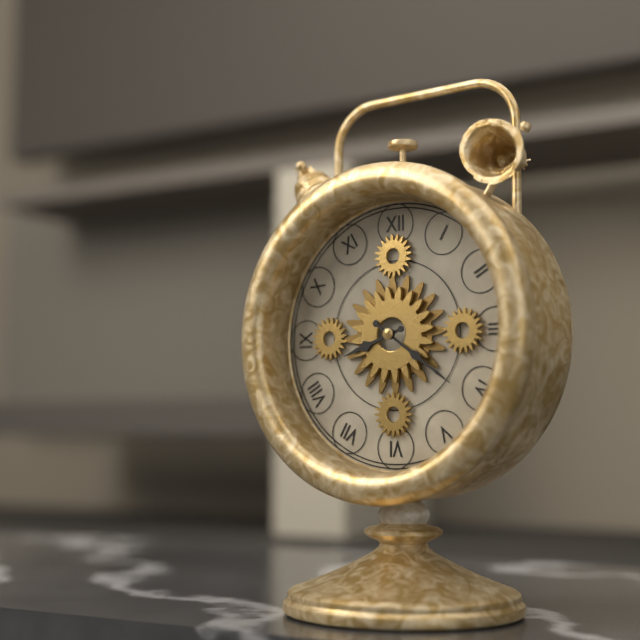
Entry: h=8 m=21
